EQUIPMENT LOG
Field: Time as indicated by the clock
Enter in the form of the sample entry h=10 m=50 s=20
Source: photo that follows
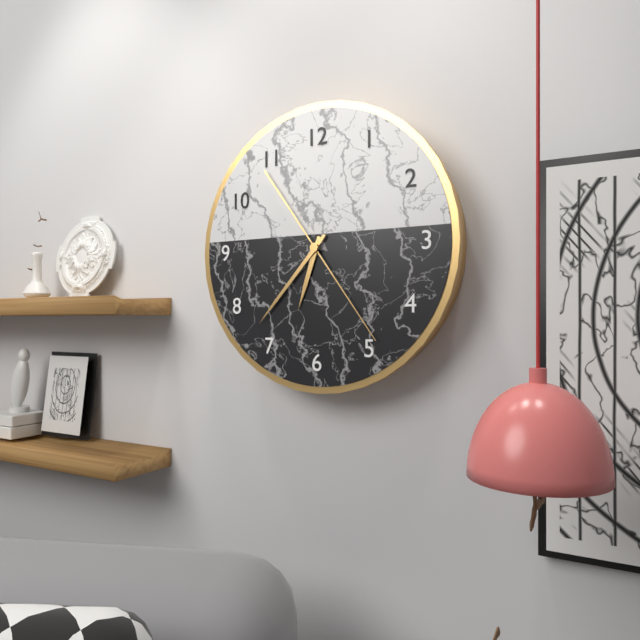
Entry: h=6 m=37 s=24
